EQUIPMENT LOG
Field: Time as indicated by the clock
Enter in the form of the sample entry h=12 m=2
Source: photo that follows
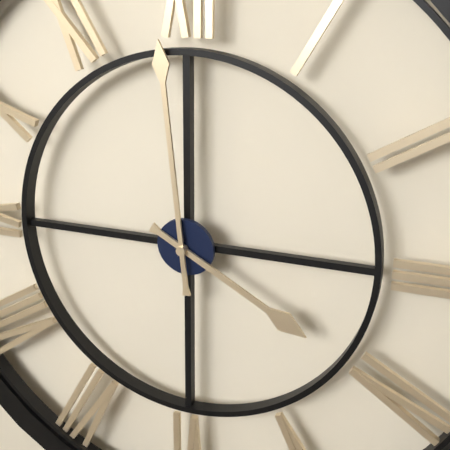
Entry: h=3 m=59
